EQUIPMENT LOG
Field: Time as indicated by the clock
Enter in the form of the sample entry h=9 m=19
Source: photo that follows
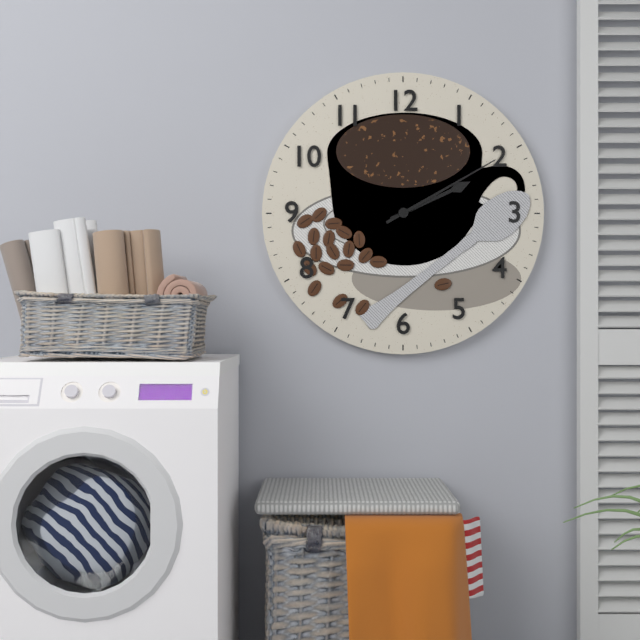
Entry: h=2 m=10
